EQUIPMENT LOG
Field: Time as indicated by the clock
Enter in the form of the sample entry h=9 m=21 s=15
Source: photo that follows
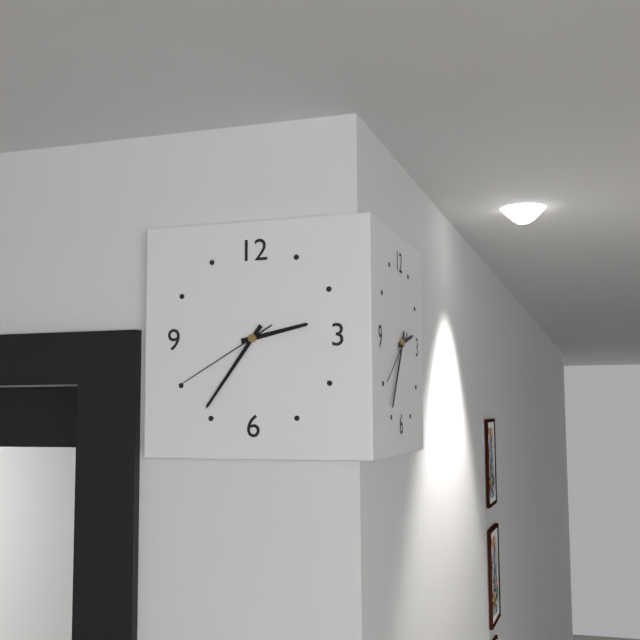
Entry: h=2 m=36 s=40
